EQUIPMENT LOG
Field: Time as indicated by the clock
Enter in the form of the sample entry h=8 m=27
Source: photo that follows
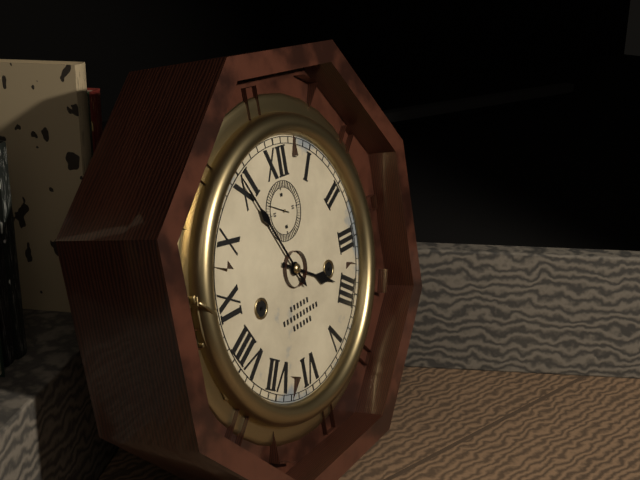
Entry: h=3 m=55
